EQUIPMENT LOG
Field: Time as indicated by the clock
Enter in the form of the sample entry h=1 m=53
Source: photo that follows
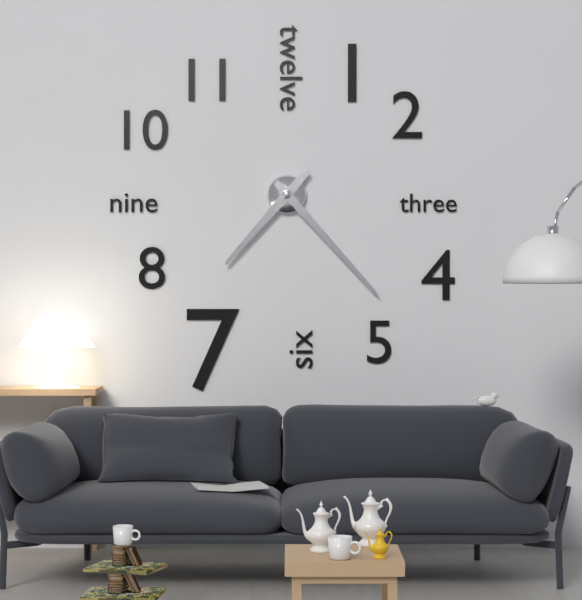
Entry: h=7 m=23
